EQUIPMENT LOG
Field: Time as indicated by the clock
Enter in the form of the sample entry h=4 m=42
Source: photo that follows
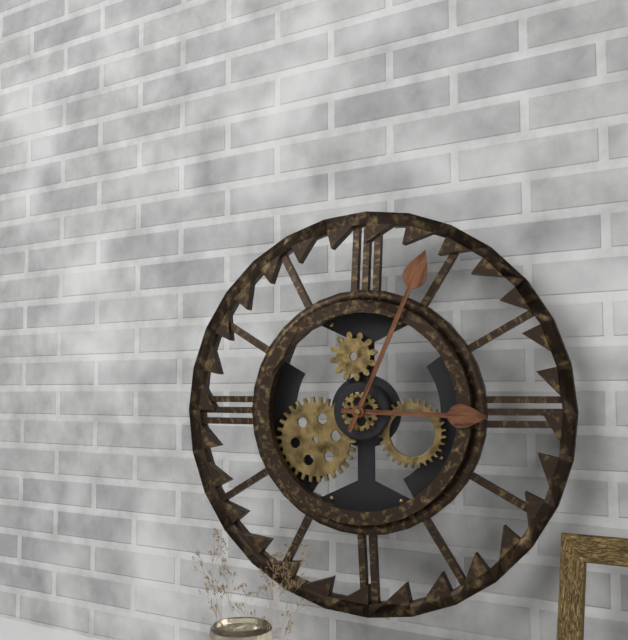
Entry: h=3 m=4
